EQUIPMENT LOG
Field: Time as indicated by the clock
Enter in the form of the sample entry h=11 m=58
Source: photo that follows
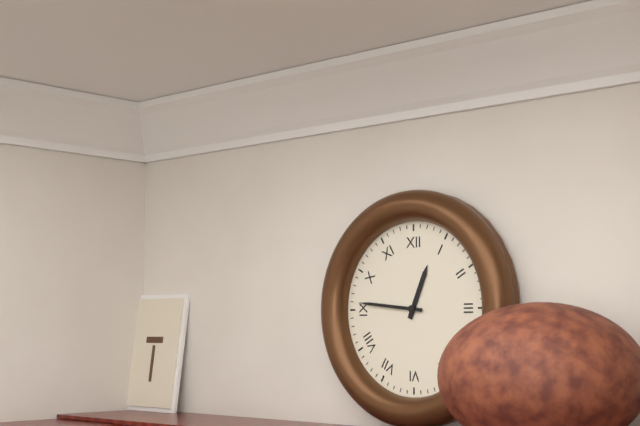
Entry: h=12 m=46
